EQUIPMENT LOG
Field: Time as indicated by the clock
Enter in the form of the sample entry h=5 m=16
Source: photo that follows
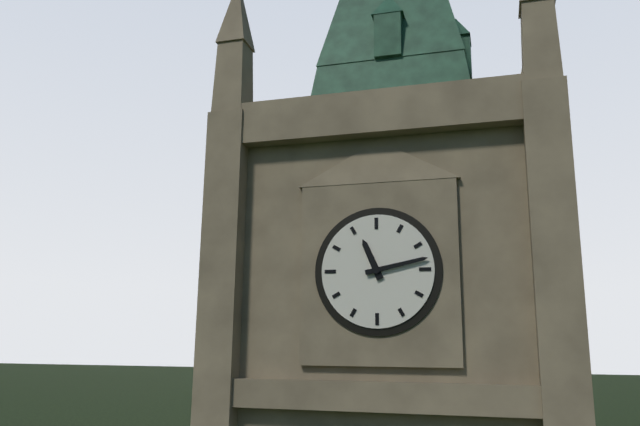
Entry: h=11 m=13
